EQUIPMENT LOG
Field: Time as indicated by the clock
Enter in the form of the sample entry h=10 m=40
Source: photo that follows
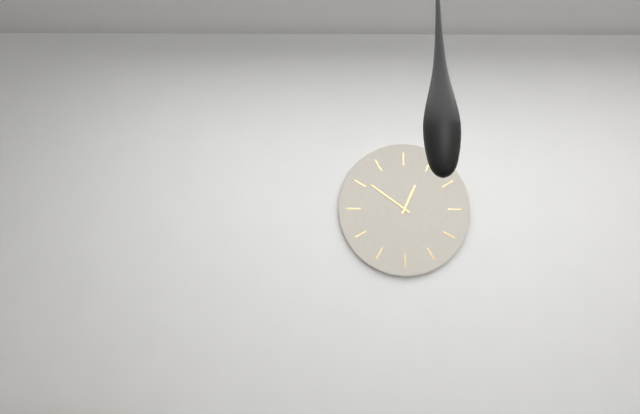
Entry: h=12 m=51
